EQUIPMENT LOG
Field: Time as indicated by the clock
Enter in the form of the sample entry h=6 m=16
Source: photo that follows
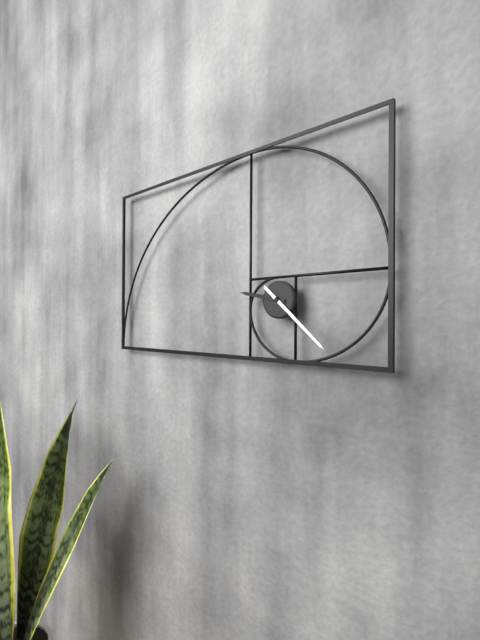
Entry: h=9 m=22
